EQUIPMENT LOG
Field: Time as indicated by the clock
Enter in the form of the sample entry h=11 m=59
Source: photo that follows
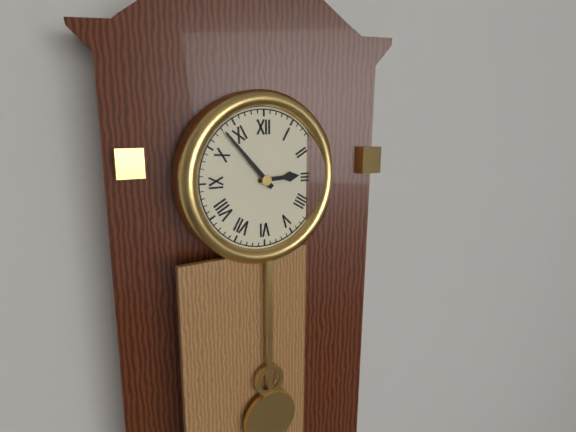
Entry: h=2 m=53
